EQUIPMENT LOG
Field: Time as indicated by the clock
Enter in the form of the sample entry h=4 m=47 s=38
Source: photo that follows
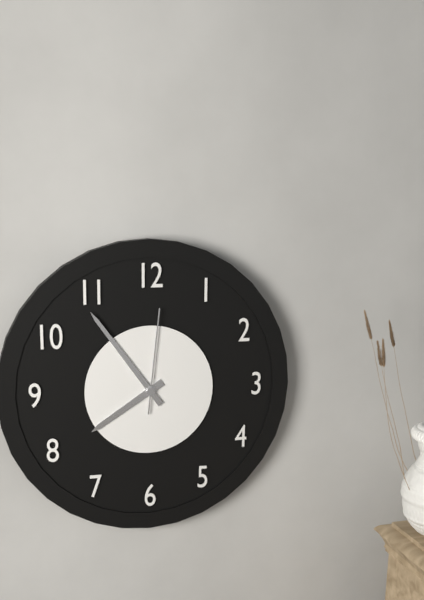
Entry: h=7 m=54 s=1
